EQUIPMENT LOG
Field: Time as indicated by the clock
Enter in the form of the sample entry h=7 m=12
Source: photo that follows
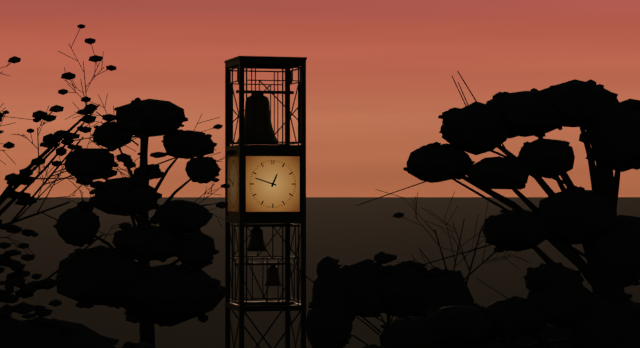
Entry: h=12 m=48
